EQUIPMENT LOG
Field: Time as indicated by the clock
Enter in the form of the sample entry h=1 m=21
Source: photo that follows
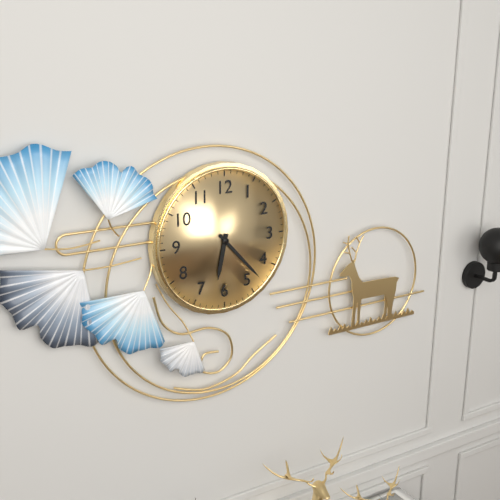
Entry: h=6 m=23
